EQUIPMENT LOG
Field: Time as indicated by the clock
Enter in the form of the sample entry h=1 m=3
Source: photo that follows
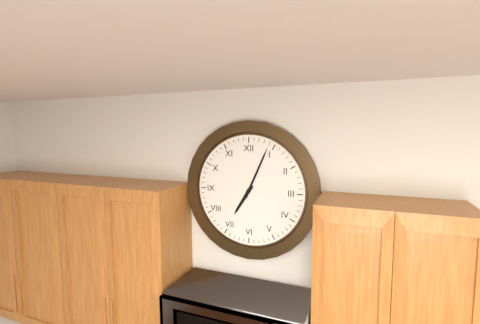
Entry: h=7 m=4
